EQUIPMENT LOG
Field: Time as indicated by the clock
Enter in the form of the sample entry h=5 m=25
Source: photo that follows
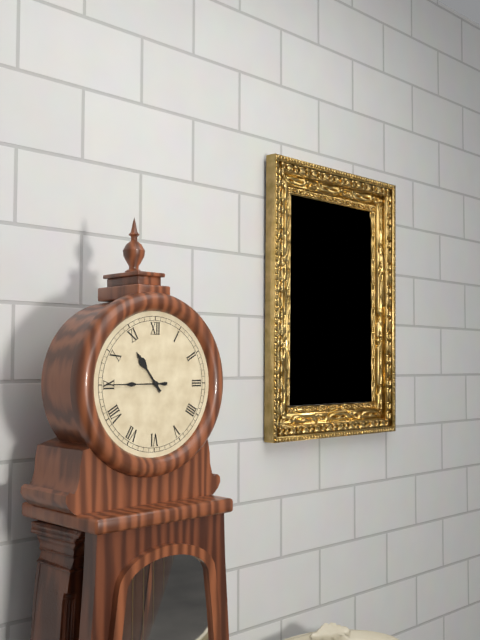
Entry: h=10 m=45
